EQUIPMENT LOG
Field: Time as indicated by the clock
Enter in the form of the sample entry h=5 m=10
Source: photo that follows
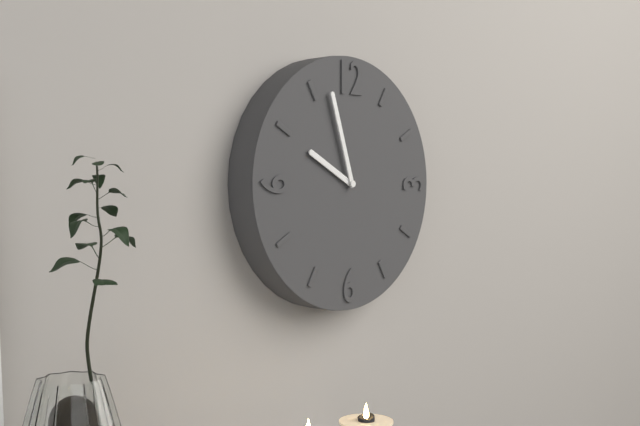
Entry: h=9 m=57
